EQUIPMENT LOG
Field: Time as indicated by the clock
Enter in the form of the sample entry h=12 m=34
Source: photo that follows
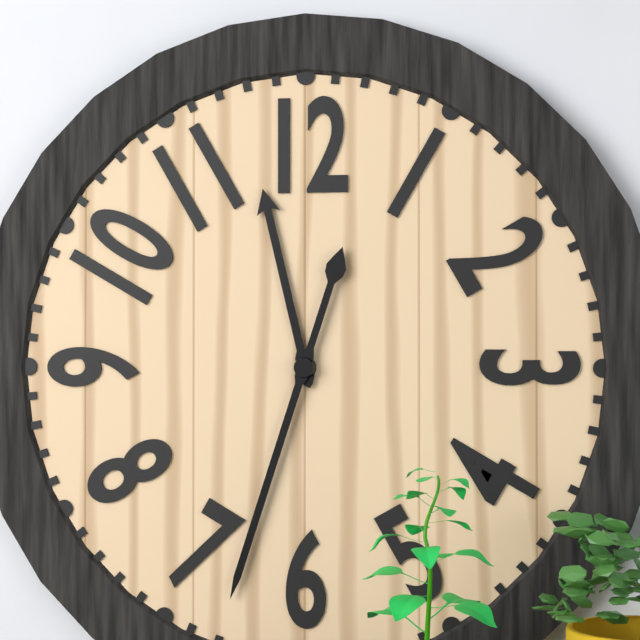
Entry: h=11 m=33
